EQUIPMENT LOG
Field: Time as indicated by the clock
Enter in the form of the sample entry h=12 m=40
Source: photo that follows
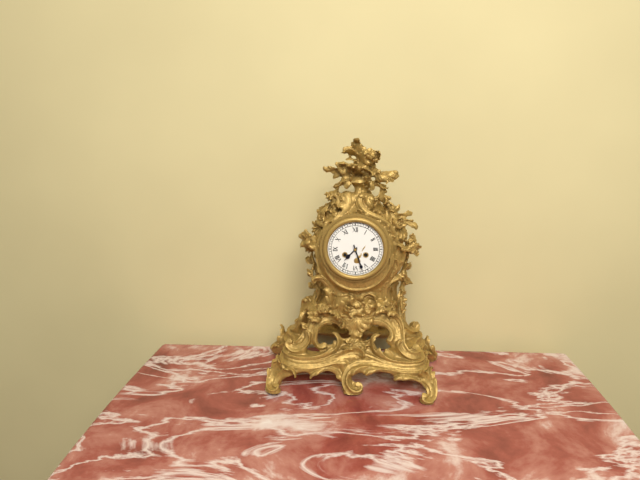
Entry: h=7 m=27
